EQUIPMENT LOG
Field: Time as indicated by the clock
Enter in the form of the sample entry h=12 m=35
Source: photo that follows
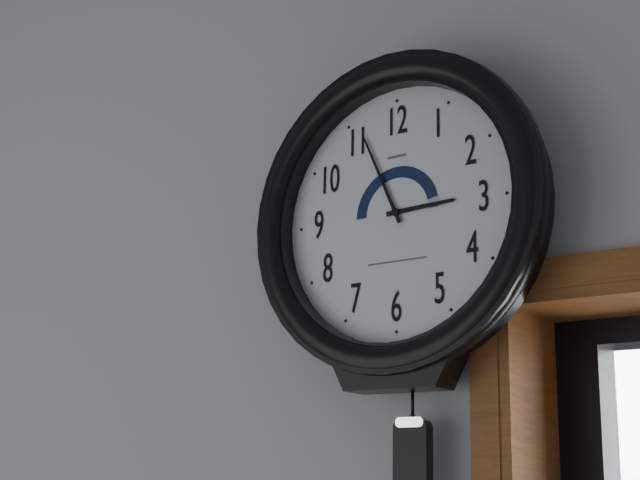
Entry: h=2 m=56
